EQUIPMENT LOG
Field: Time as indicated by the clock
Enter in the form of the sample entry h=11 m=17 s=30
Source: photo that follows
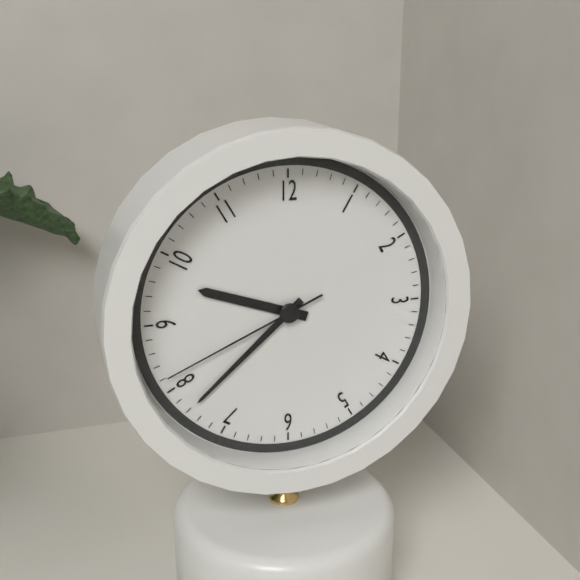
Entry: h=9 m=38 s=41
